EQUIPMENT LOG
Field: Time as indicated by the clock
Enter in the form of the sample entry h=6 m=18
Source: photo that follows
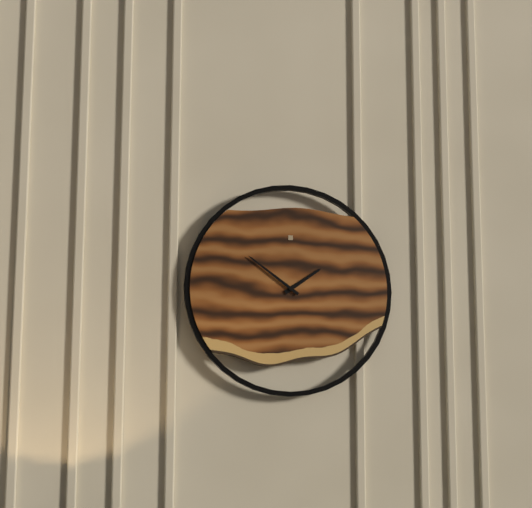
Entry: h=1 m=51
